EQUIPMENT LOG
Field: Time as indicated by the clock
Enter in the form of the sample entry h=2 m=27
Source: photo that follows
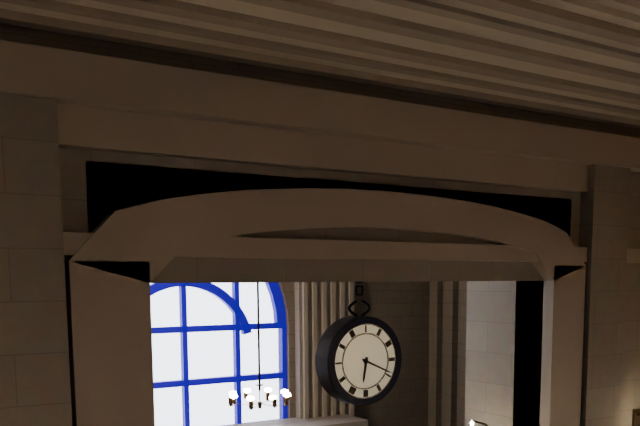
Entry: h=6 m=19
